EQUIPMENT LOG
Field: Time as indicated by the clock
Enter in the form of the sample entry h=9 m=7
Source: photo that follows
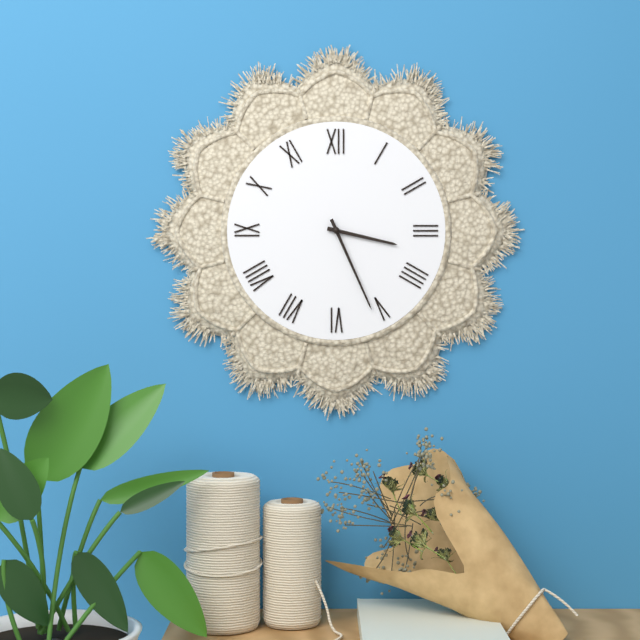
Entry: h=3 m=26
